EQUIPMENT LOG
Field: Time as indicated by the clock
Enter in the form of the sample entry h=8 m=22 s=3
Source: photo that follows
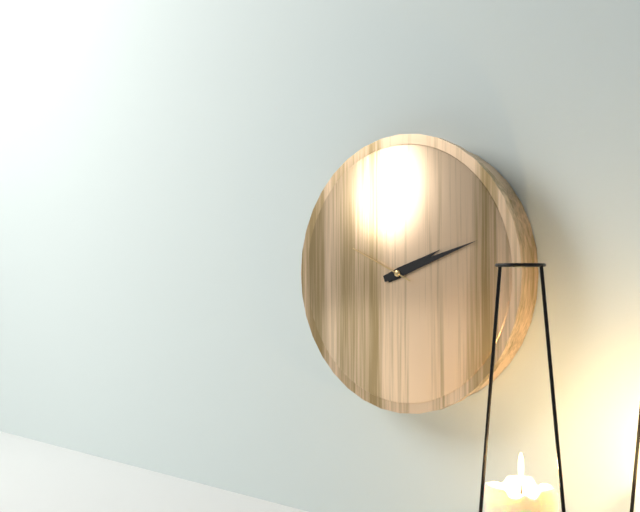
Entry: h=2 m=12 s=49
